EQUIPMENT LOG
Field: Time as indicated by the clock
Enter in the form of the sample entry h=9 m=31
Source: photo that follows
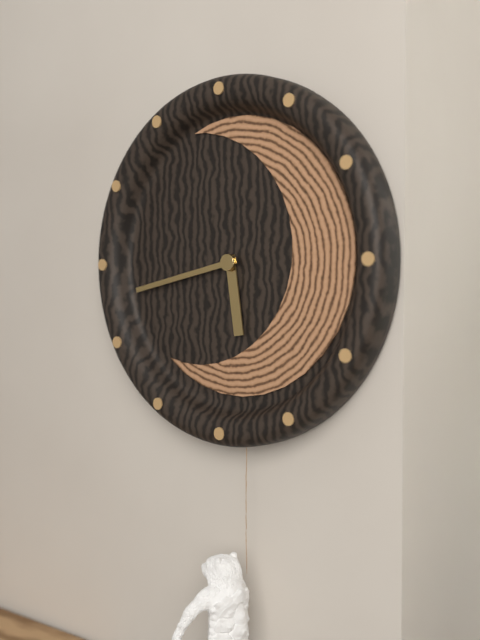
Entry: h=5 m=43
